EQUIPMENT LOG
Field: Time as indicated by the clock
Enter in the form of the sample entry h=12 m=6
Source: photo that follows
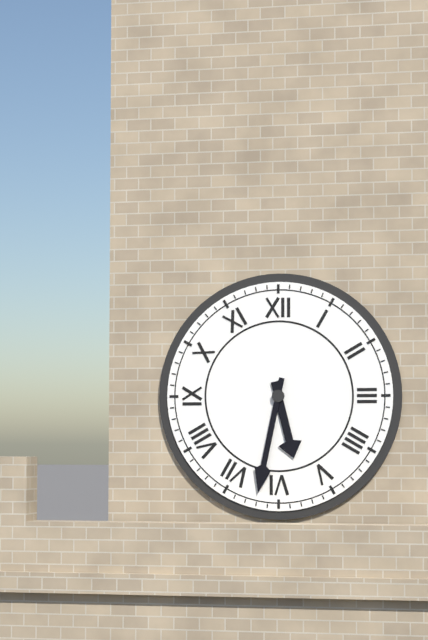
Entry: h=5 m=32
